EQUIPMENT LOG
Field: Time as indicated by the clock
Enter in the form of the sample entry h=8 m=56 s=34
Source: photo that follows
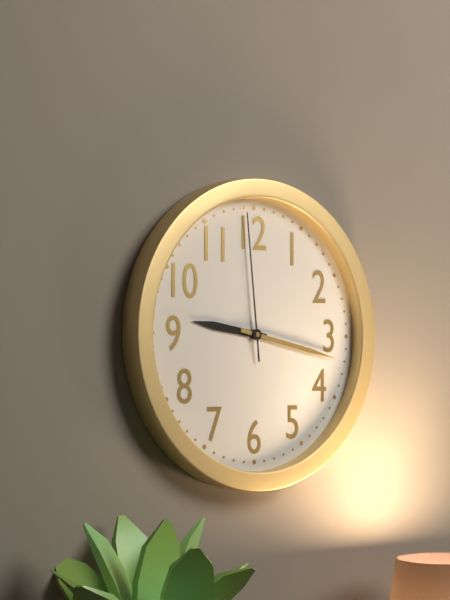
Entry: h=9 m=17 s=59
